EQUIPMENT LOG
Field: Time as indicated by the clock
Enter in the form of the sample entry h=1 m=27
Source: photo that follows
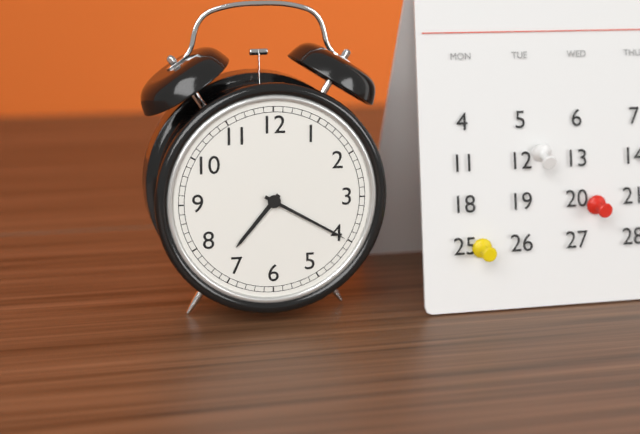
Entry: h=7 m=20
